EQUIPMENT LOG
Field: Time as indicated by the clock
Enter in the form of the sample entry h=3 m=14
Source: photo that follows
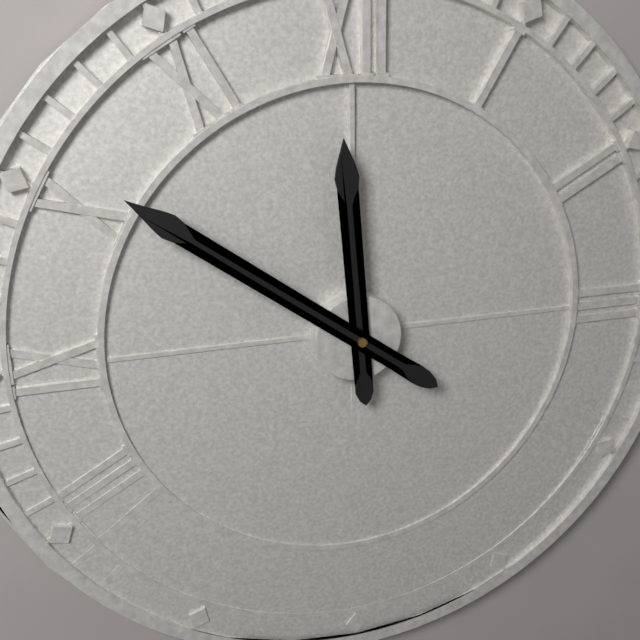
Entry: h=11 m=51
